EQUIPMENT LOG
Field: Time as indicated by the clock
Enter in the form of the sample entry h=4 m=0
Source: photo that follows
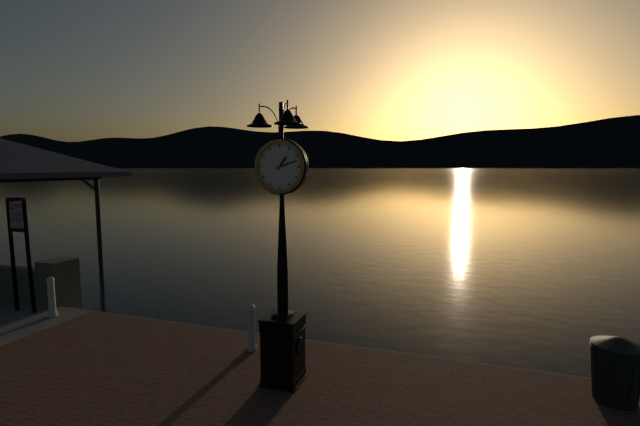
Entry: h=1 m=12
